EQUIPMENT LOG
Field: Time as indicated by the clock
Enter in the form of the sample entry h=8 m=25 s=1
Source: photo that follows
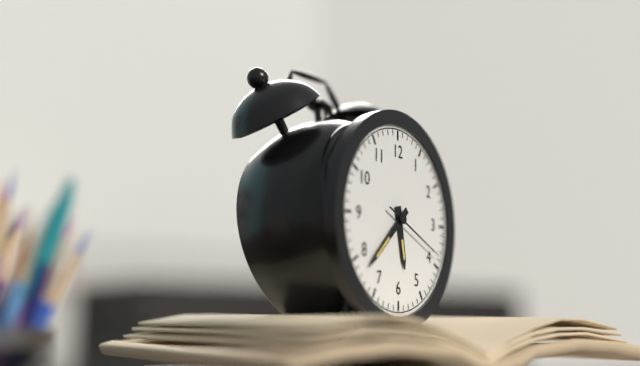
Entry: h=5 m=38 s=19
